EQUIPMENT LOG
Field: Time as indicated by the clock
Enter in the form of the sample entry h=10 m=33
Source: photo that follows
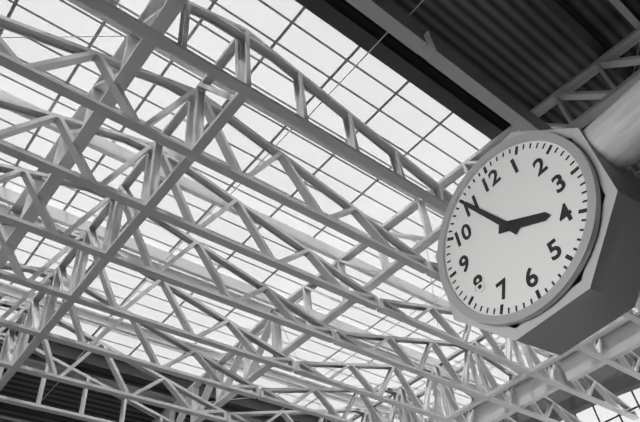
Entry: h=3 m=55
